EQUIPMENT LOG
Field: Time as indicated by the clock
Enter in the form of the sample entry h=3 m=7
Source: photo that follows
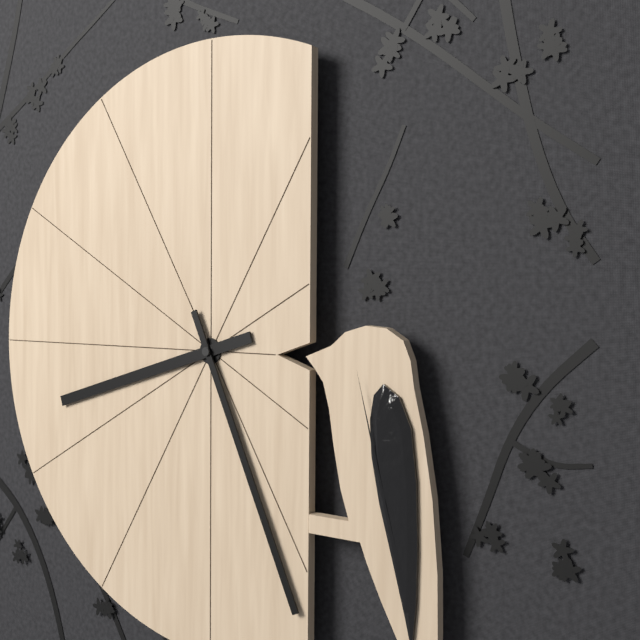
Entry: h=8 m=26
